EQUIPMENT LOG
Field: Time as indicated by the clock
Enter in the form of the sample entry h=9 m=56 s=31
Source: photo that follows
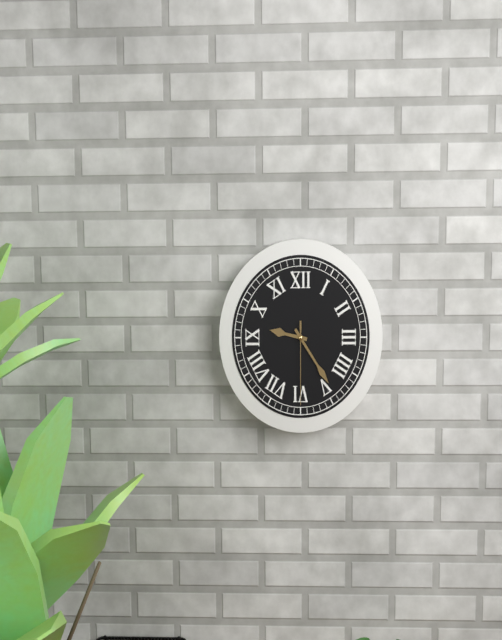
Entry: h=9 m=24 s=30
